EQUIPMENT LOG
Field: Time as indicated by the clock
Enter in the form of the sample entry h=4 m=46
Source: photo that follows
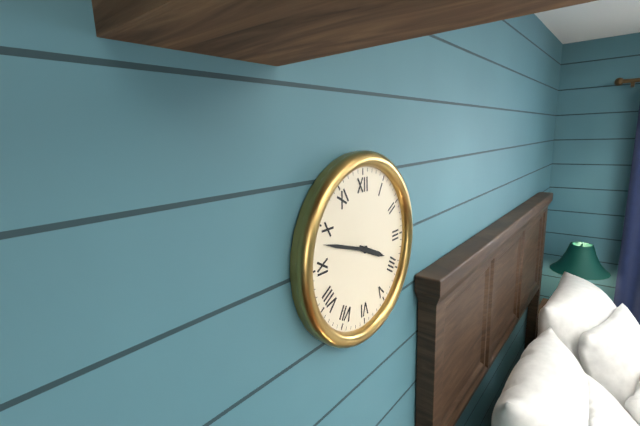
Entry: h=3 m=48
